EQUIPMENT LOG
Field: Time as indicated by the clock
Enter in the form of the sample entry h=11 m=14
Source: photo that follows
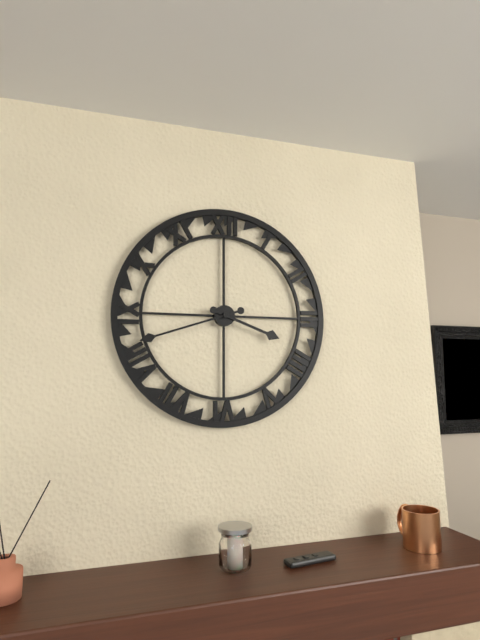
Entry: h=3 m=42
